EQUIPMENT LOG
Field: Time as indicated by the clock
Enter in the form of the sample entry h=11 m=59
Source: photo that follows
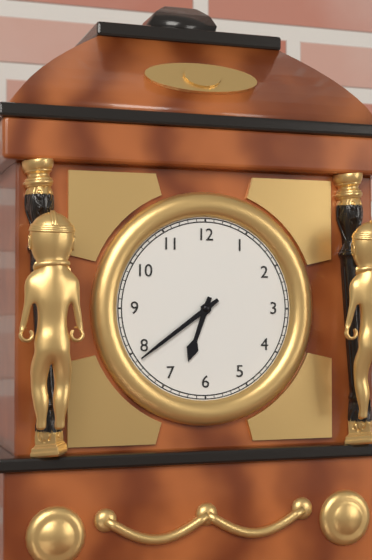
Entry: h=6 m=39
